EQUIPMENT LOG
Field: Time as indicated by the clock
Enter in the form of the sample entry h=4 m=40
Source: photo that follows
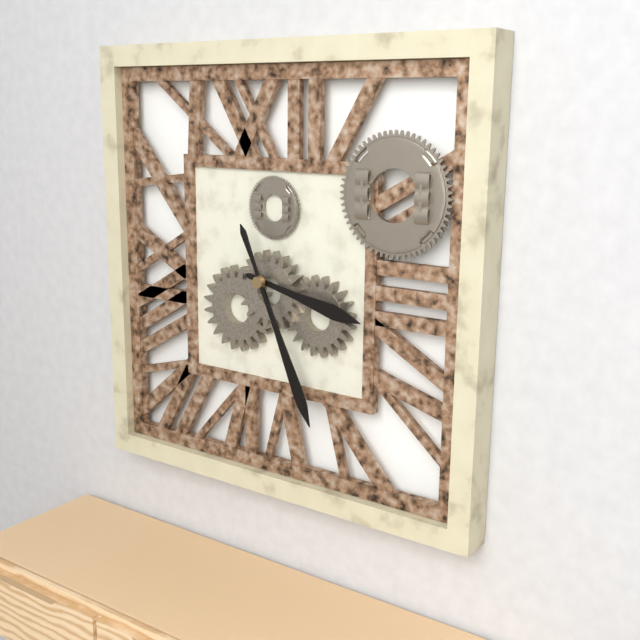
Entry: h=3 m=26
